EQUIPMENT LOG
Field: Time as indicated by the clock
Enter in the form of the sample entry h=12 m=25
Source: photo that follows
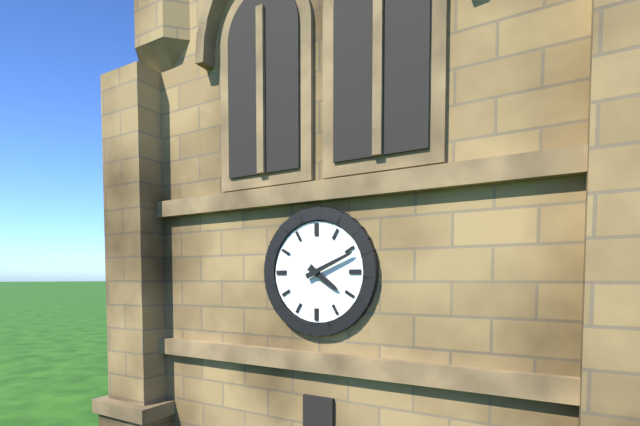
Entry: h=4 m=11
